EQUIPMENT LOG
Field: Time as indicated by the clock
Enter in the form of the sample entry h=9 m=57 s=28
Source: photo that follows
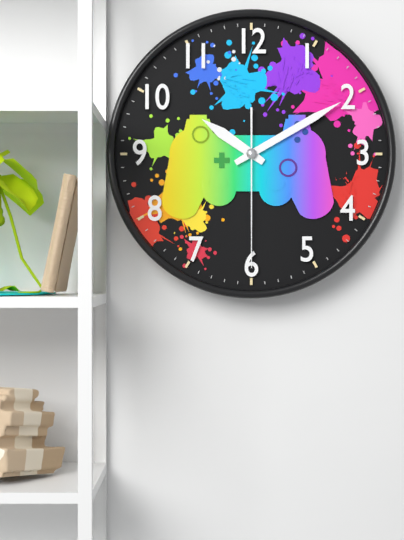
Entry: h=10 m=10 s=30
